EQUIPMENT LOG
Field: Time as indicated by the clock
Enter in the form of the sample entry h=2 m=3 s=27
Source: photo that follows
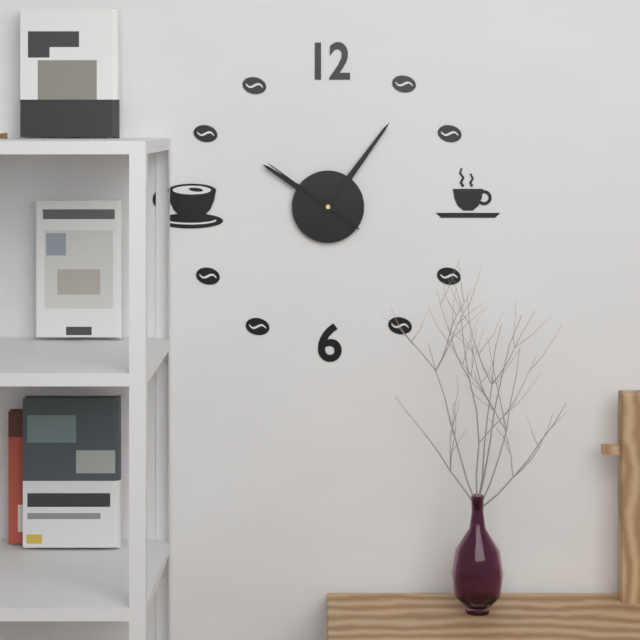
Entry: h=10 m=6 s=51
